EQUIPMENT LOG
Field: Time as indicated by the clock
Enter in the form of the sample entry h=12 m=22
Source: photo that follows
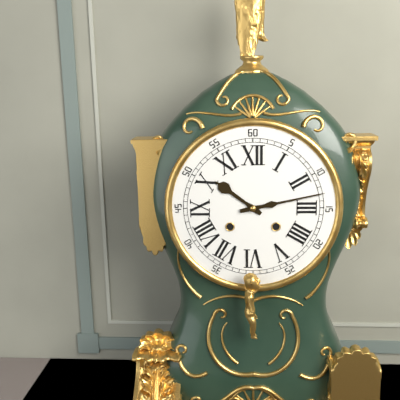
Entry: h=10 m=13
